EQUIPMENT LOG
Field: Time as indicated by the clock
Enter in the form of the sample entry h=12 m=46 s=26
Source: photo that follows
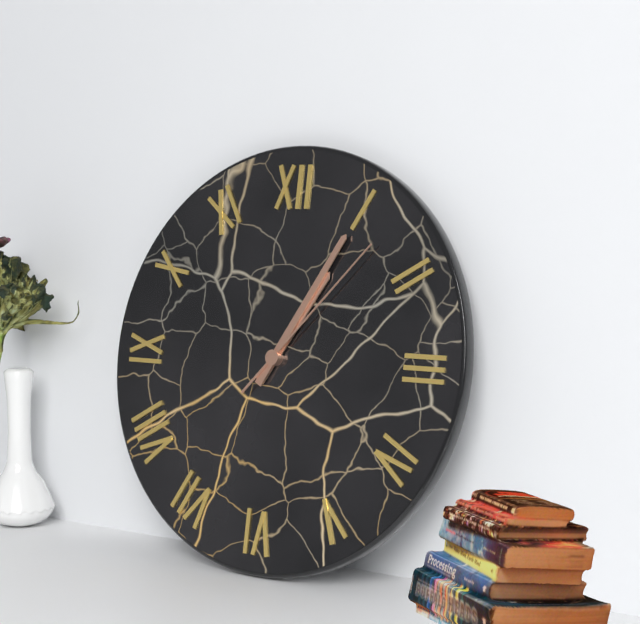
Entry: h=1 m=5 s=7
